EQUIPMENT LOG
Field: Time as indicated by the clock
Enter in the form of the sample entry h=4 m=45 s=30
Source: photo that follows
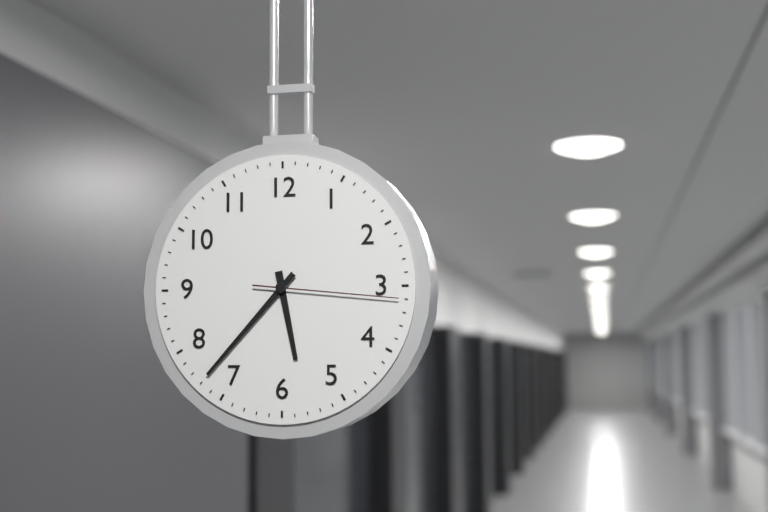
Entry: h=5 m=37 s=16
